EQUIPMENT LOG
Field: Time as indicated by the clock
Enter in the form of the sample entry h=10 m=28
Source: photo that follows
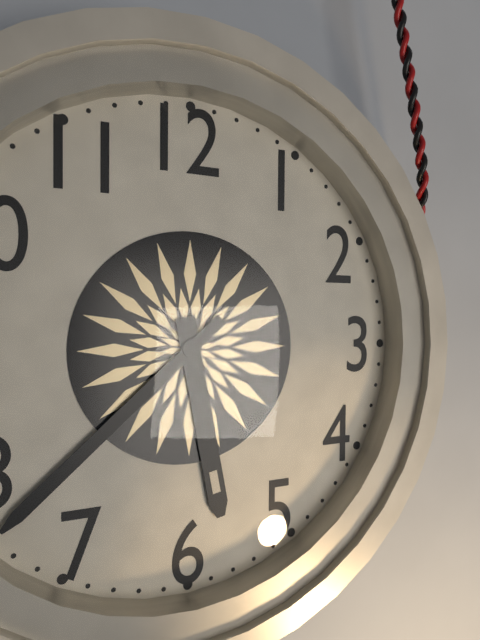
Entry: h=5 m=38
